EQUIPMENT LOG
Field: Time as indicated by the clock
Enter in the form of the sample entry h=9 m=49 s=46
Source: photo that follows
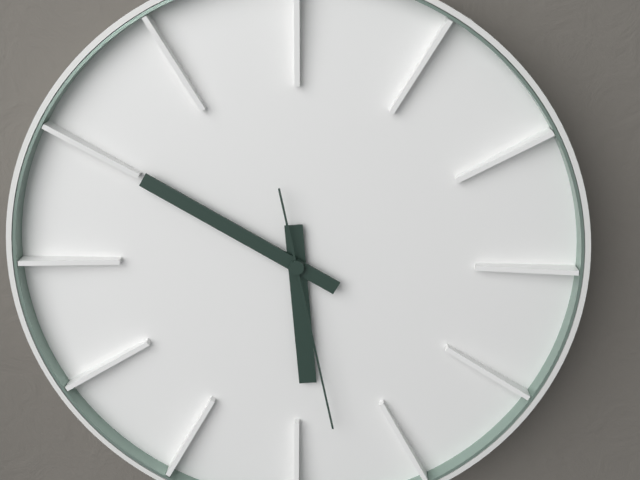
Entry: h=5 m=50 s=28
